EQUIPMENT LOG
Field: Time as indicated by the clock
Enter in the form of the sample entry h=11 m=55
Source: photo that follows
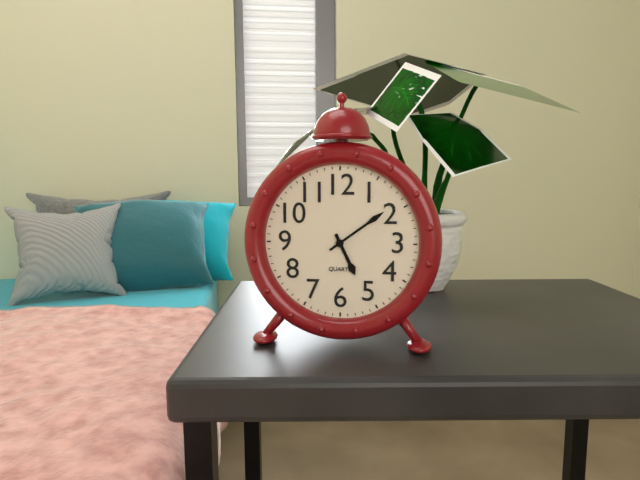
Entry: h=5 m=9
